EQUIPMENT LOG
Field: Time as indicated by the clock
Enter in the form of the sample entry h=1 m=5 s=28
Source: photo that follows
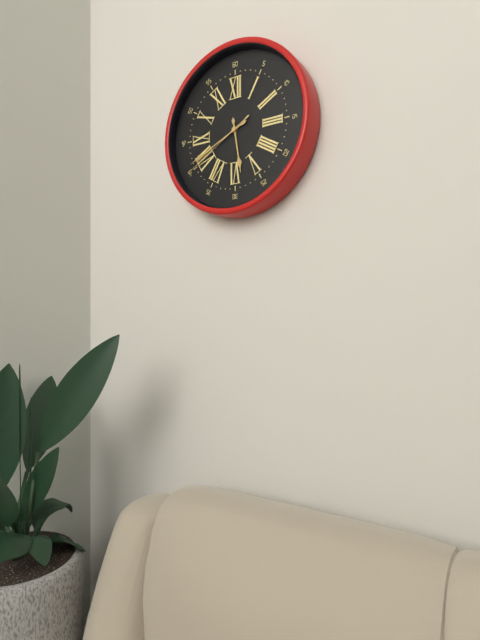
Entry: h=5 m=41 s=40
